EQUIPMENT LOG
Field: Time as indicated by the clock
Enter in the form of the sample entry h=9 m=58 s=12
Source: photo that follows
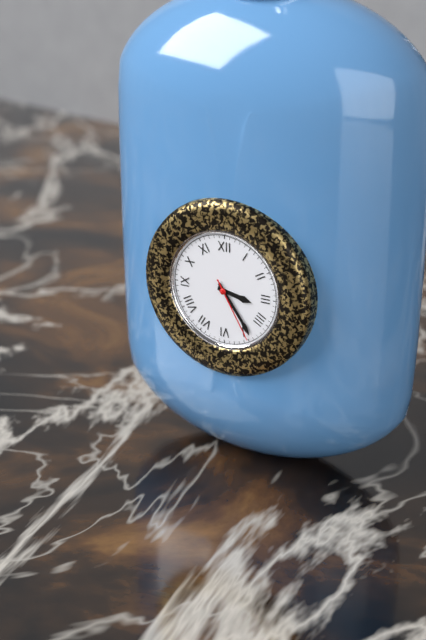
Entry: h=3 m=24 s=25
